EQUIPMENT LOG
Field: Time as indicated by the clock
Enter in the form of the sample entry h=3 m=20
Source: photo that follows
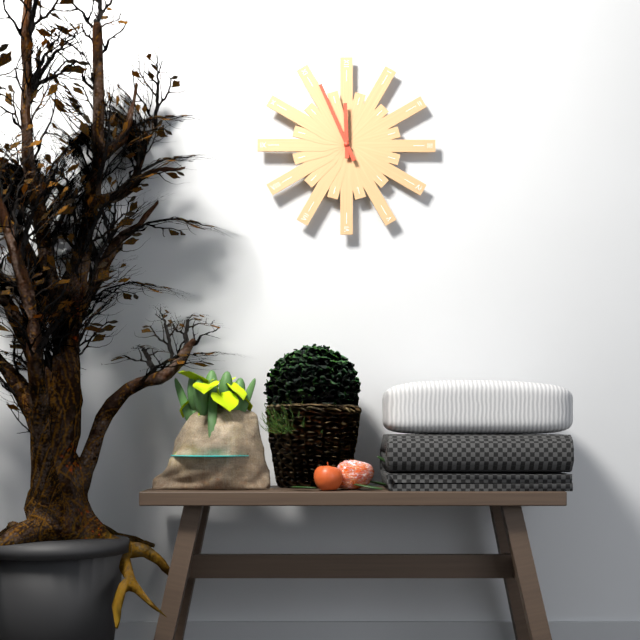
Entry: h=11 m=56
